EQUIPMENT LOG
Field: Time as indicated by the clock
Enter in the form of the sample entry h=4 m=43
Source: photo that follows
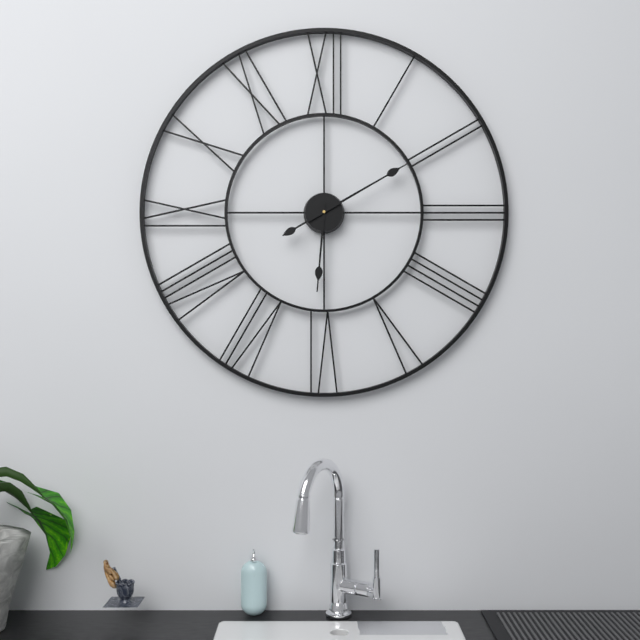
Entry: h=6 m=10
